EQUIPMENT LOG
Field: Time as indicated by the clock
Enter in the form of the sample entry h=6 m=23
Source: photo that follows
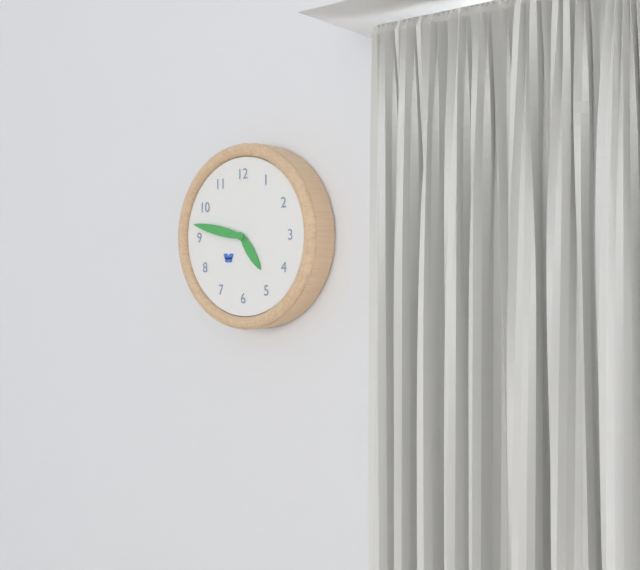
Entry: h=4 m=47
